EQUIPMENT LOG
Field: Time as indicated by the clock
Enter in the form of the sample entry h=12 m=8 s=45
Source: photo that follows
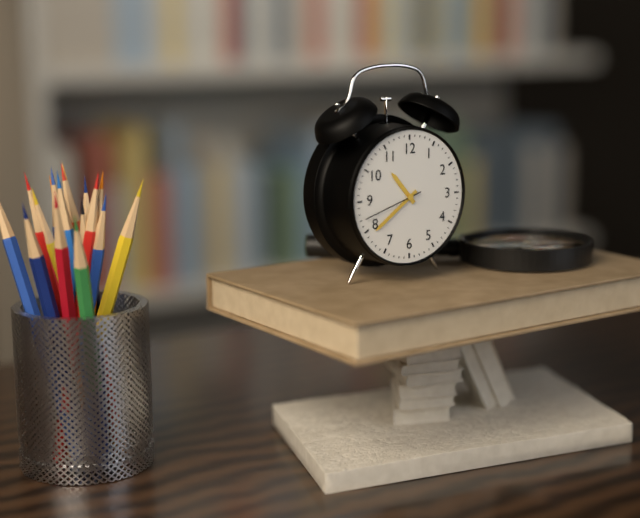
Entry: h=10 m=39 s=42
